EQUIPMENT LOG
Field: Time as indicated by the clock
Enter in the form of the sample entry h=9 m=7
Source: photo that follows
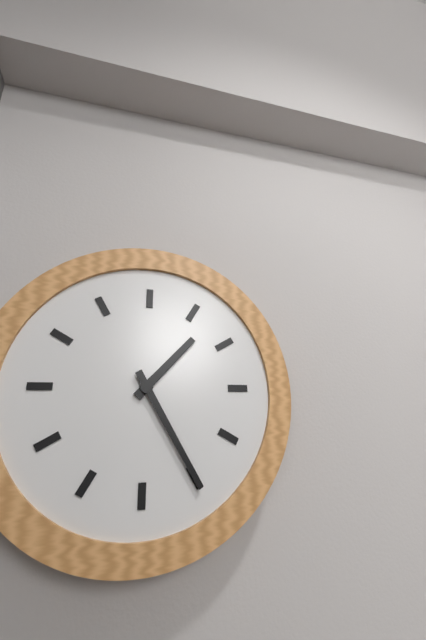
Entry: h=1 m=25
